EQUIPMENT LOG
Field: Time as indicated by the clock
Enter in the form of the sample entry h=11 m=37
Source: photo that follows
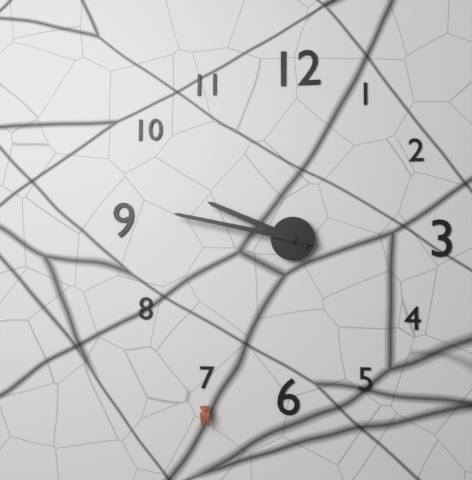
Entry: h=9 m=47
